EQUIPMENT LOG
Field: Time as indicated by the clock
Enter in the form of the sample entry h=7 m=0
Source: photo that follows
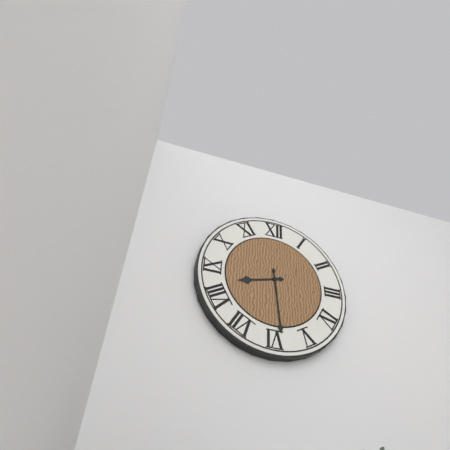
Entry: h=8 m=29
